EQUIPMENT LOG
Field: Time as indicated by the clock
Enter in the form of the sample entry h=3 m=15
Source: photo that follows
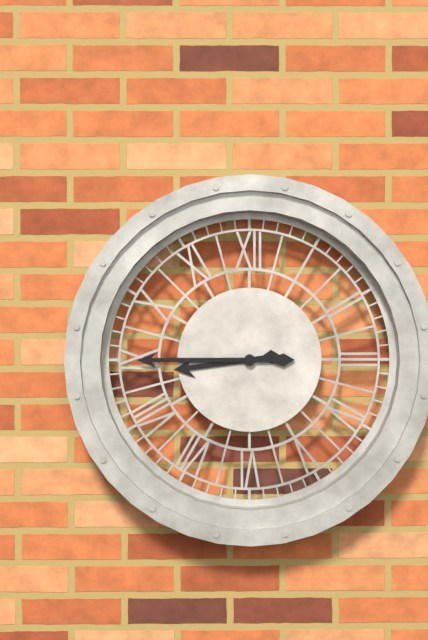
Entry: h=8 m=45
